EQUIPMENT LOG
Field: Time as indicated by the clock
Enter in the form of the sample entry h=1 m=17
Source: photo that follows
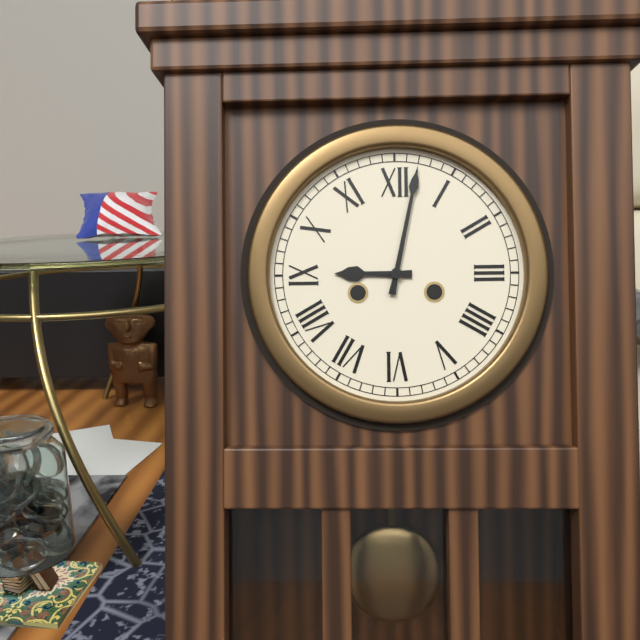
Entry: h=9 m=2
